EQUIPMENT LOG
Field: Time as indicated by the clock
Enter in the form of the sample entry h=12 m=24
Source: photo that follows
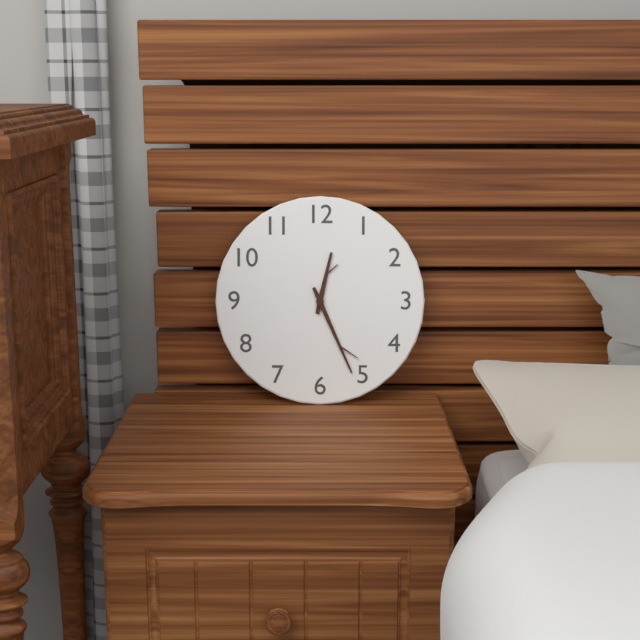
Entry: h=12 m=26
